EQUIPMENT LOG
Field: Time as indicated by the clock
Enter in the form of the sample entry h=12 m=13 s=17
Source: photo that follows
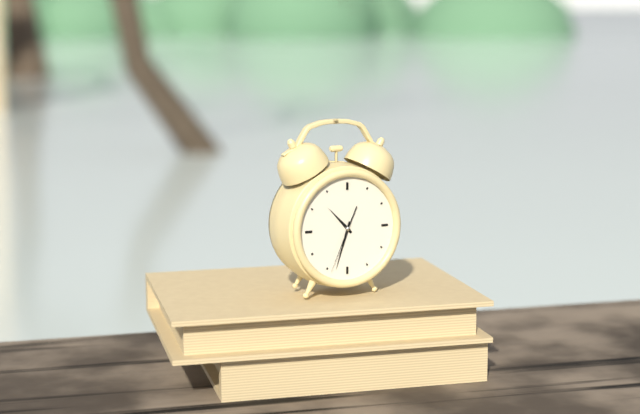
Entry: h=10 m=33 s=34
